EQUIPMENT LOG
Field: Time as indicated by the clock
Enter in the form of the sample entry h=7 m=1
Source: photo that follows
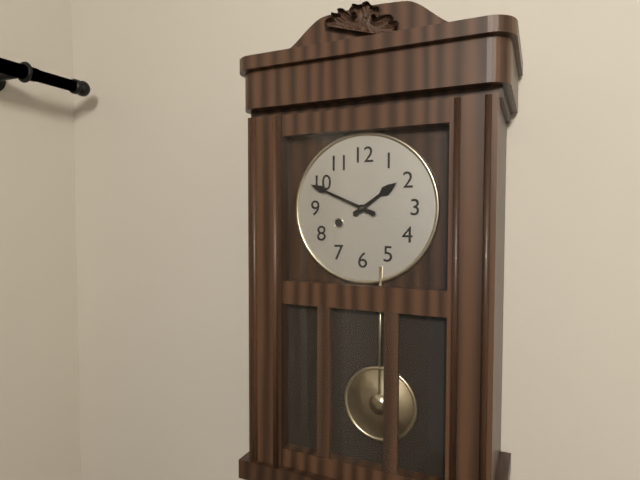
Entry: h=1 m=49
